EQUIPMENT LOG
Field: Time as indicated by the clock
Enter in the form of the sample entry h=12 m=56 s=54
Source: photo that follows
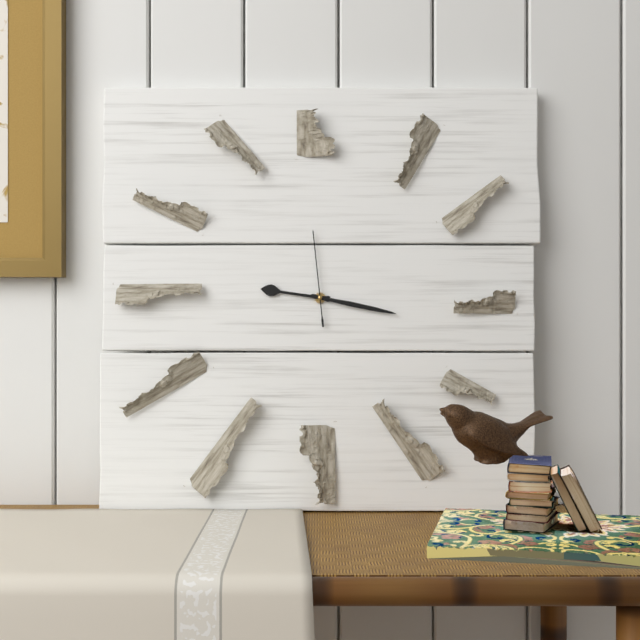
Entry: h=9 m=17 s=59
